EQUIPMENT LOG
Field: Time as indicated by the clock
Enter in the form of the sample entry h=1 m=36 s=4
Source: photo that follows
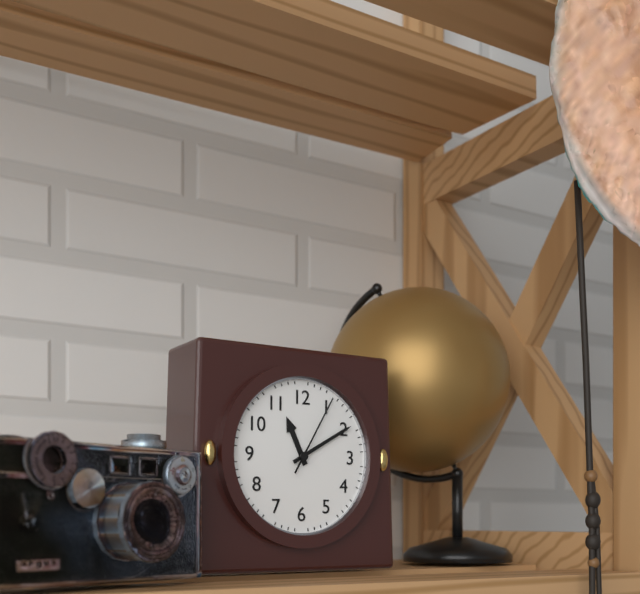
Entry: h=11 m=10 s=5
